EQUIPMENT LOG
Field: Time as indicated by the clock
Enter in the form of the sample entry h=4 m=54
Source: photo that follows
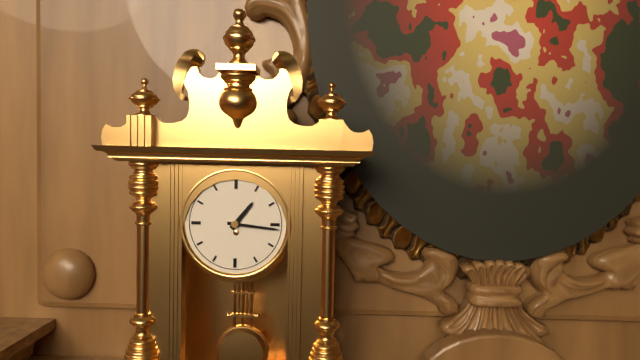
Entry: h=1 m=16
